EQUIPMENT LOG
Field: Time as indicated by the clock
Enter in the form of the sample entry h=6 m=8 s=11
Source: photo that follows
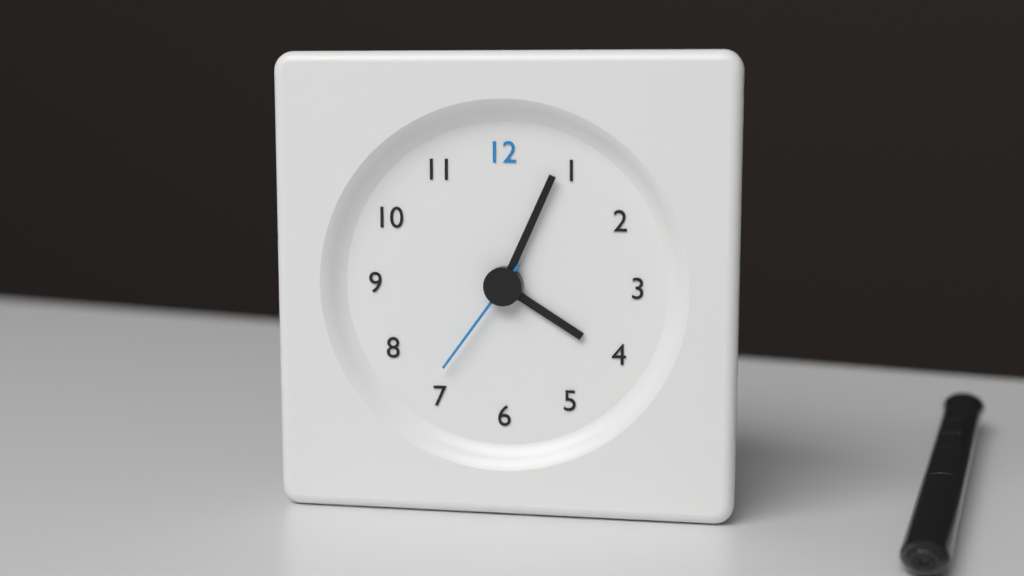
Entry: h=4 m=4 s=36
